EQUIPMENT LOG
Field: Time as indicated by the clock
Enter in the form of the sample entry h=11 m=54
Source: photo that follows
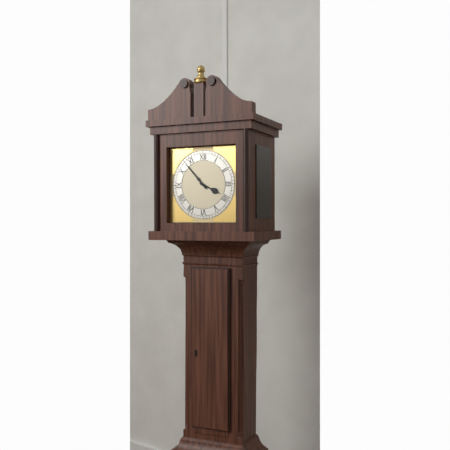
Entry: h=3 m=53
